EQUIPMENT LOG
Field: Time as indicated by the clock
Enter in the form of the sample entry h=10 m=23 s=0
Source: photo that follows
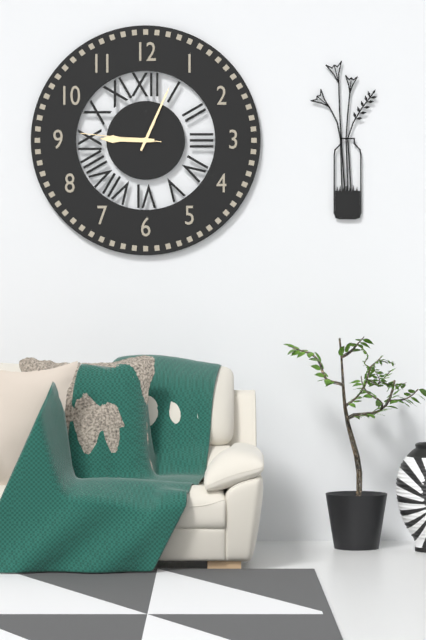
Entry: h=9 m=4 s=46
